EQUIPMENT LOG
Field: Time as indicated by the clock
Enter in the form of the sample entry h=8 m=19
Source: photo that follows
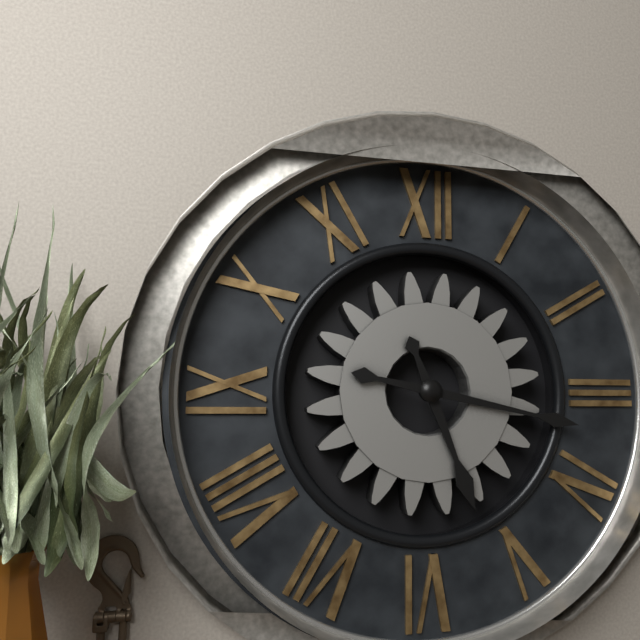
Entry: h=5 m=17
